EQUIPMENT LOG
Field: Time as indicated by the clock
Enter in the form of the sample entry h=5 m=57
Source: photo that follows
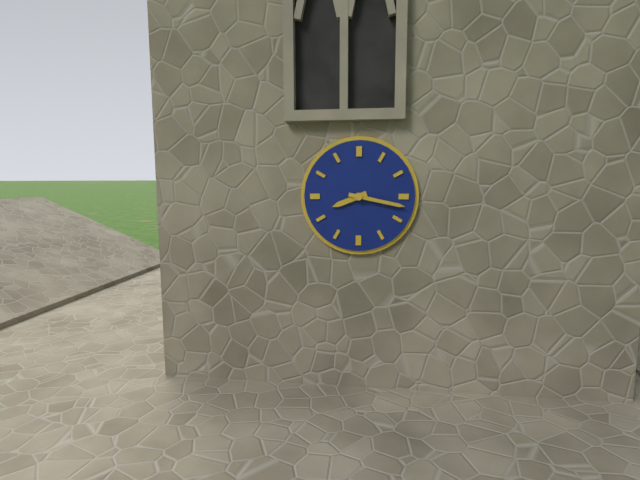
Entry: h=8 m=17
